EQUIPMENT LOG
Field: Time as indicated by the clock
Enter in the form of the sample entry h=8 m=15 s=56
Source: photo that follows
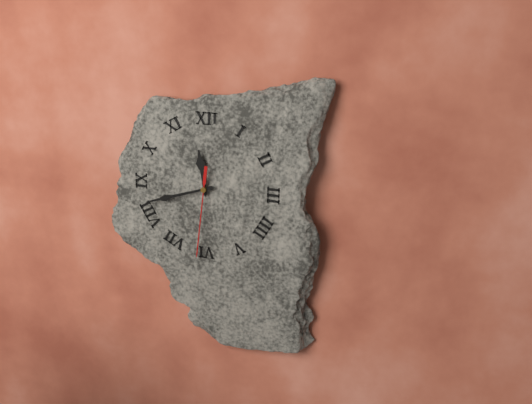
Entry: h=11 m=42 s=31
